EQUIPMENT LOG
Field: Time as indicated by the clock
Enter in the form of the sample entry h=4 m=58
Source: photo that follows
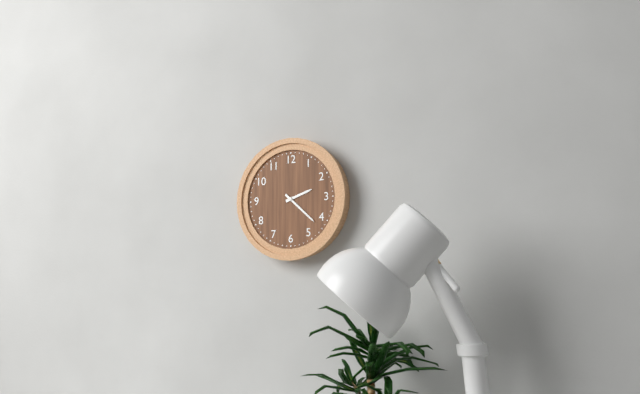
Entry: h=2 m=22
